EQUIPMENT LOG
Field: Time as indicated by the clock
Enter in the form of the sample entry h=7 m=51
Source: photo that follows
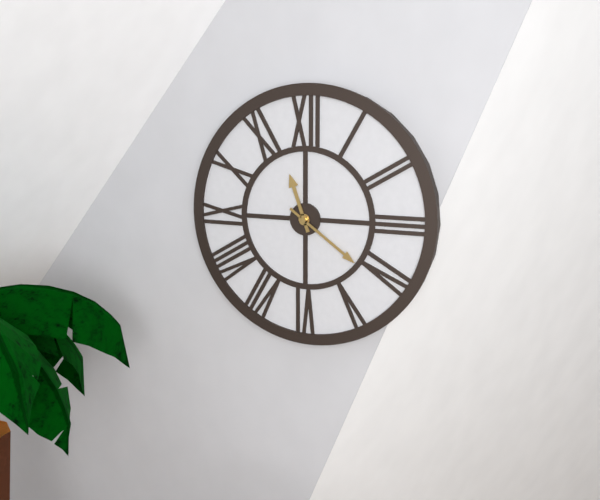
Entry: h=11 m=21
